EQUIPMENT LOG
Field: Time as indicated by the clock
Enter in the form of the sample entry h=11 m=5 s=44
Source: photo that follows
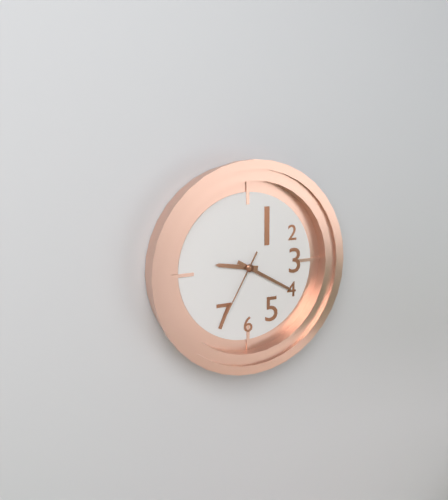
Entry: h=9 m=20 s=35
